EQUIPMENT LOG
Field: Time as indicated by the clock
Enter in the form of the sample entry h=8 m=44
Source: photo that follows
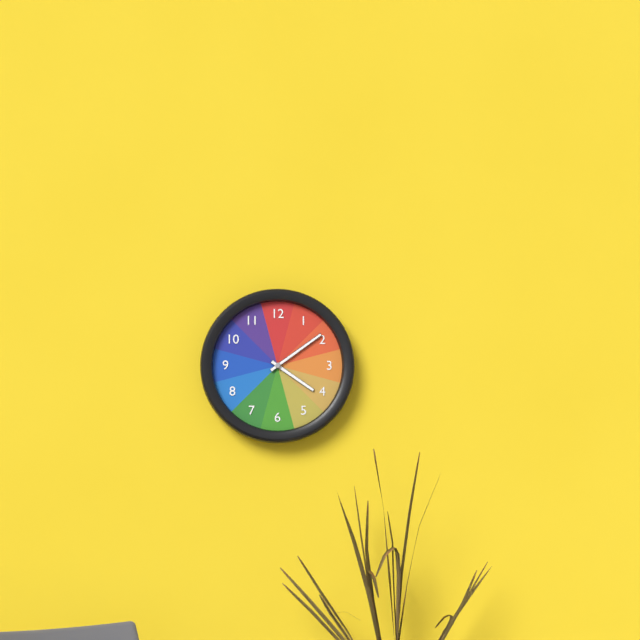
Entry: h=4 m=9
